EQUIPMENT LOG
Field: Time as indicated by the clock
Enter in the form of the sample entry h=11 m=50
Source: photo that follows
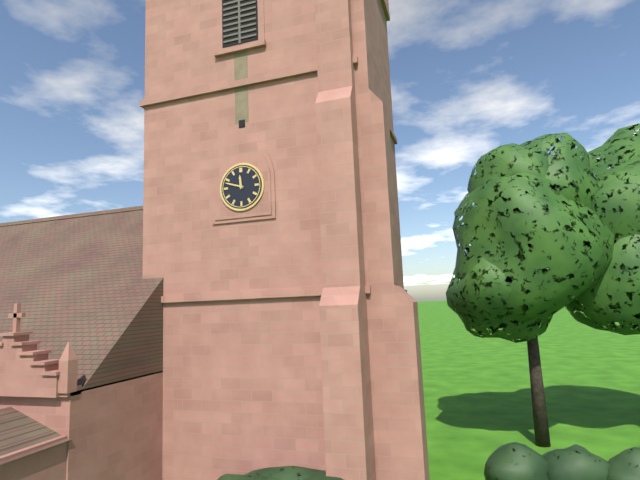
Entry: h=11 m=48
